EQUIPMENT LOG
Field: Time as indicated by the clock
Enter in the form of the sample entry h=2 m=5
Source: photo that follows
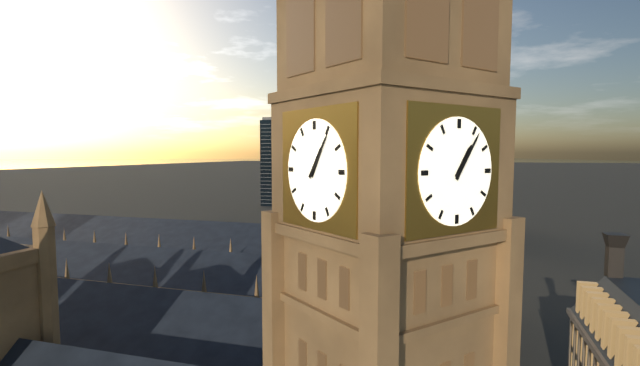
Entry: h=1 m=6
